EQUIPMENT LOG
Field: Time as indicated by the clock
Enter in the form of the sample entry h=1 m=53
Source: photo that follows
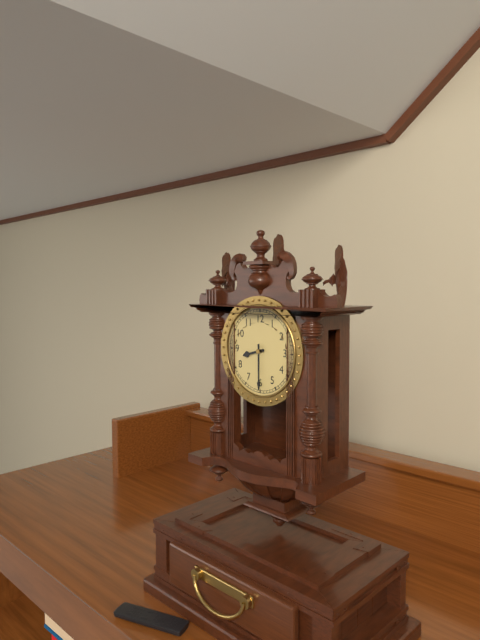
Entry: h=8 m=30
